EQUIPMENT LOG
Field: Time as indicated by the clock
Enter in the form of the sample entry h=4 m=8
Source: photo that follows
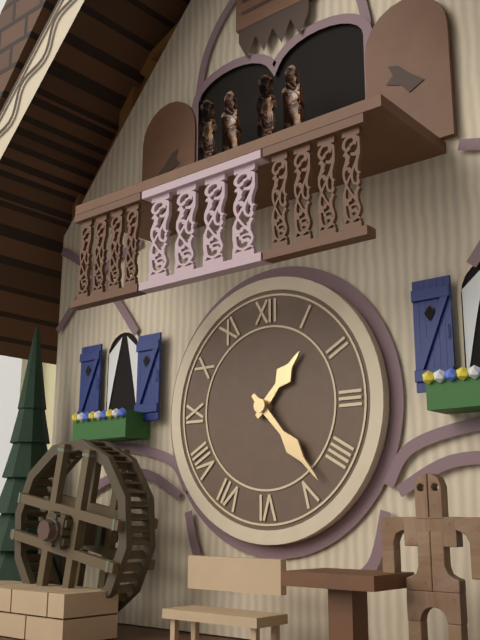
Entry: h=1 m=23
